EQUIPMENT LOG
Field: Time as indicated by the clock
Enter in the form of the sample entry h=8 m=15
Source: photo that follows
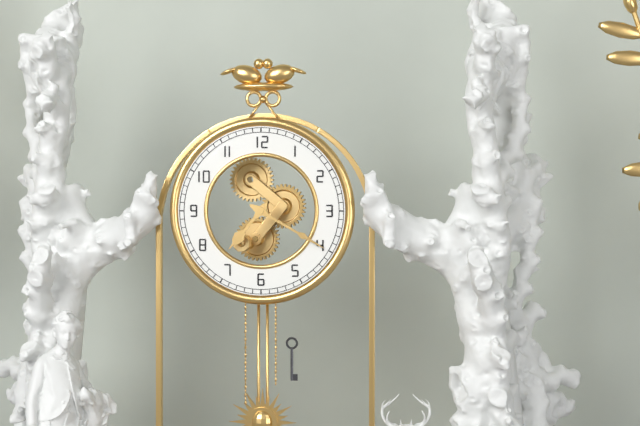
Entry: h=7 m=20
